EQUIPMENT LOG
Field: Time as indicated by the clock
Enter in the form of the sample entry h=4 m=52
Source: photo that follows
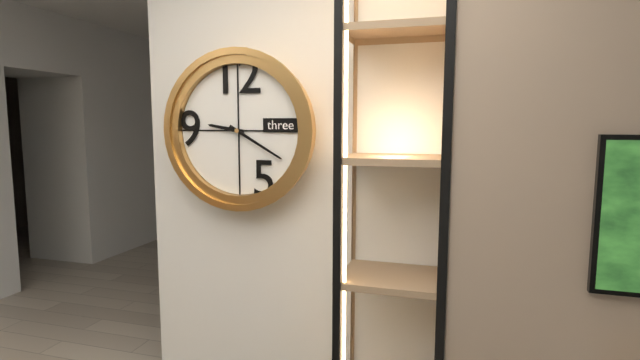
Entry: h=9 m=20
